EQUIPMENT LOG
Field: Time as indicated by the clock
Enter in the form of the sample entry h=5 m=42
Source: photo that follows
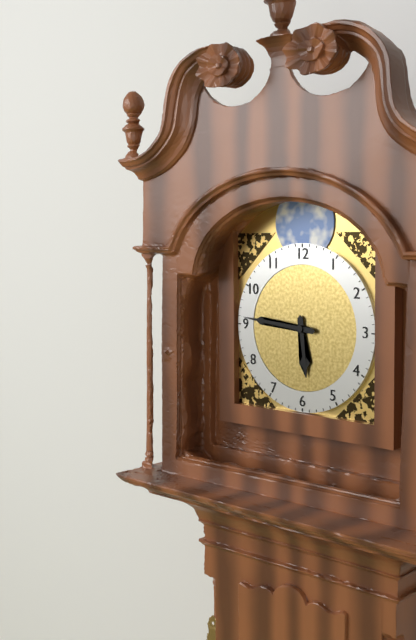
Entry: h=5 m=46
